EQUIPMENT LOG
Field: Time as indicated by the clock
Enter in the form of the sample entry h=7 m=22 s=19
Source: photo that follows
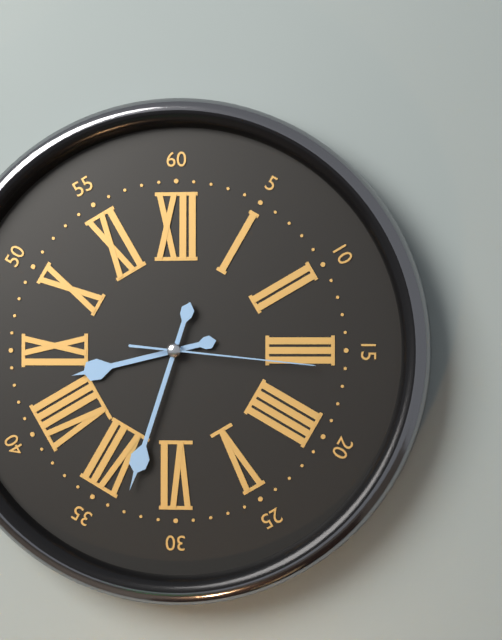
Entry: h=8 m=33 s=16
